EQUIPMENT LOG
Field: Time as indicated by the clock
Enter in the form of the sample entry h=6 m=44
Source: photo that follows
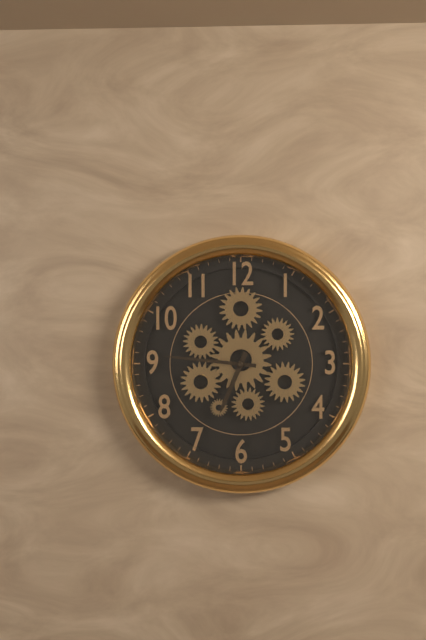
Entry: h=6 m=46
